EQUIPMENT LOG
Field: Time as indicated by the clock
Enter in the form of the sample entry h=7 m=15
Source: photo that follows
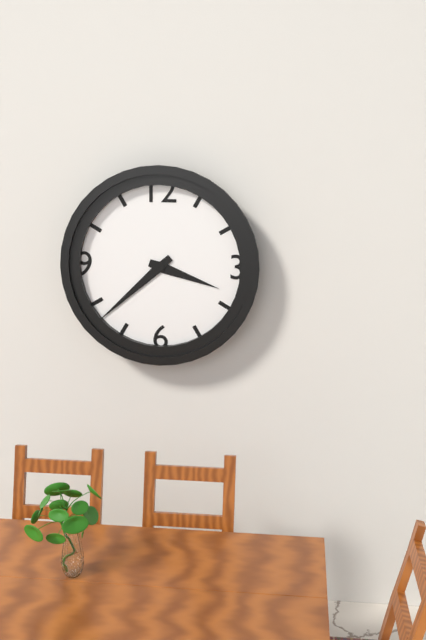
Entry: h=3 m=38
